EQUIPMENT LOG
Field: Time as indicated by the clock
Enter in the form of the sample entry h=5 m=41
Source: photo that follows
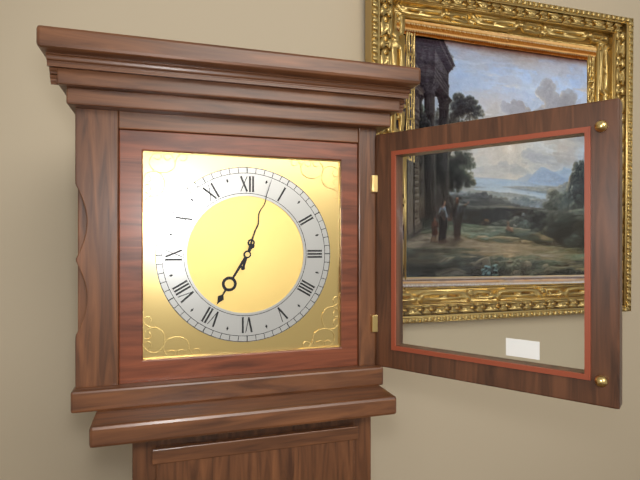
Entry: h=7 m=3
